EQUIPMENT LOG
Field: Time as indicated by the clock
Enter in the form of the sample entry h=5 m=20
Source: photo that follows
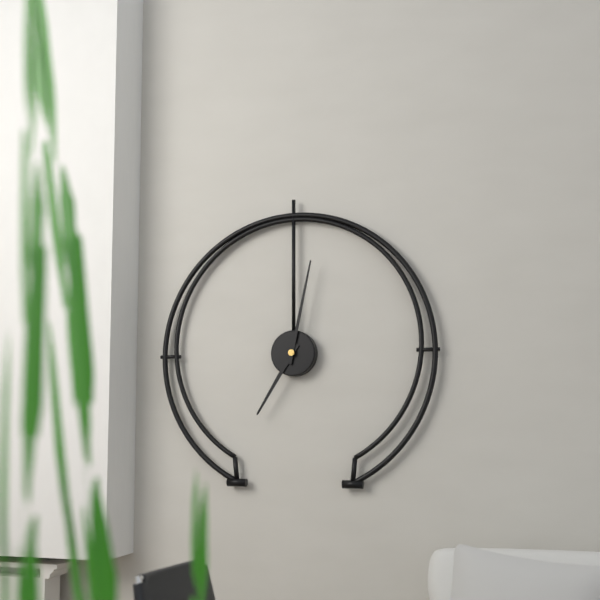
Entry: h=7 m=2
